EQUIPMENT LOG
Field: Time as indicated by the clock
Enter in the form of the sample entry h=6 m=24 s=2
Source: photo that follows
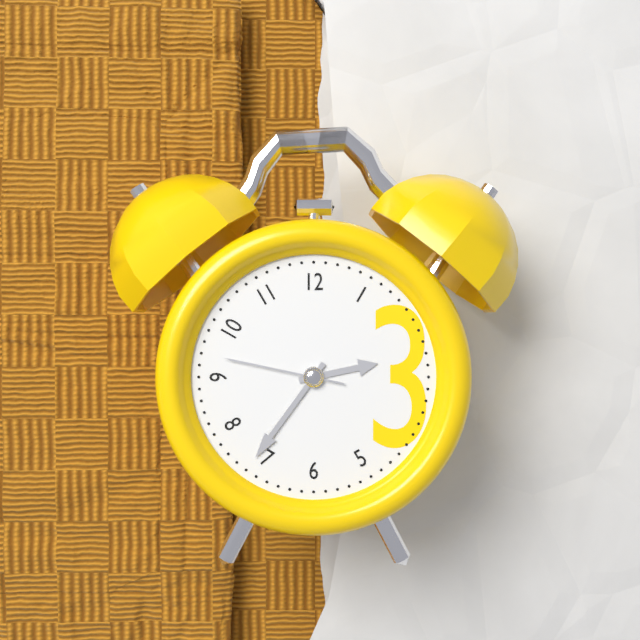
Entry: h=2 m=36 s=47
